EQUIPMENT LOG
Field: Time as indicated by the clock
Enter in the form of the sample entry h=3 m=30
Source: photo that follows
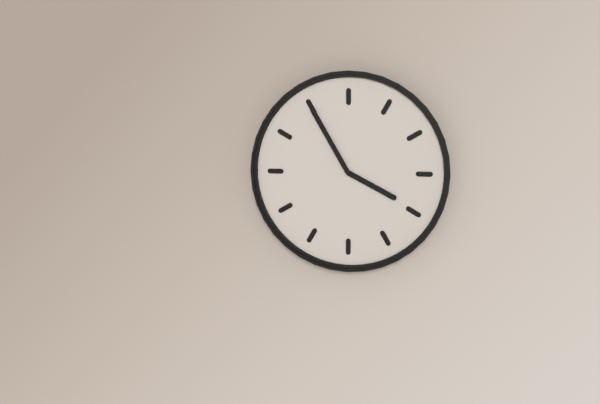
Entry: h=3 m=55
